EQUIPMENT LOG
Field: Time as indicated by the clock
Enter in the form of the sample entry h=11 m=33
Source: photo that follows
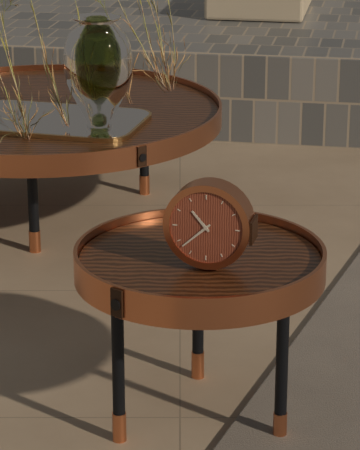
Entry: h=10 m=38
